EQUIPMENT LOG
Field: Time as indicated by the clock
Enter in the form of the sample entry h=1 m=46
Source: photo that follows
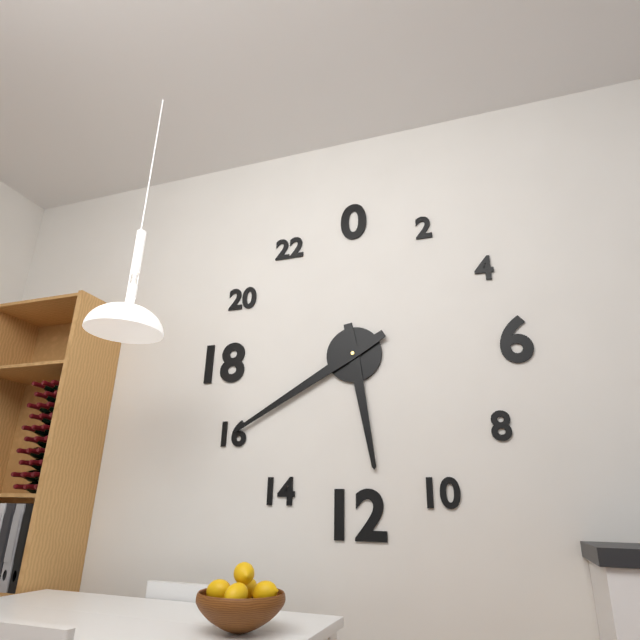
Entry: h=5 m=40
